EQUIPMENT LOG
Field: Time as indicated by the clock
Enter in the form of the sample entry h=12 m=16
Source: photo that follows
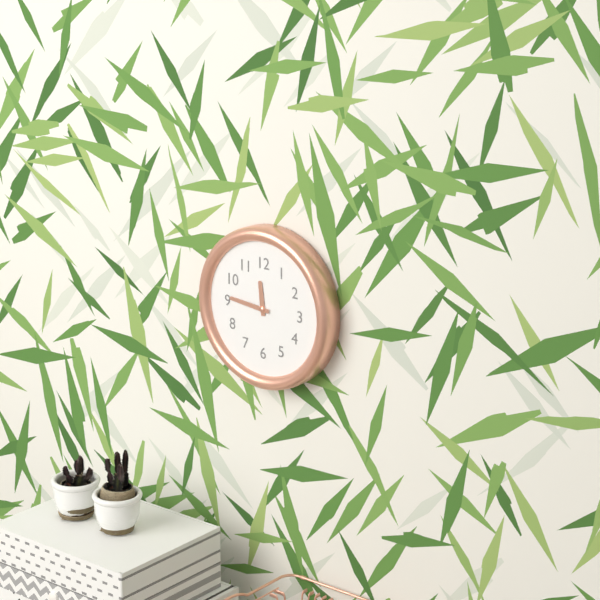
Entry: h=11 m=46
